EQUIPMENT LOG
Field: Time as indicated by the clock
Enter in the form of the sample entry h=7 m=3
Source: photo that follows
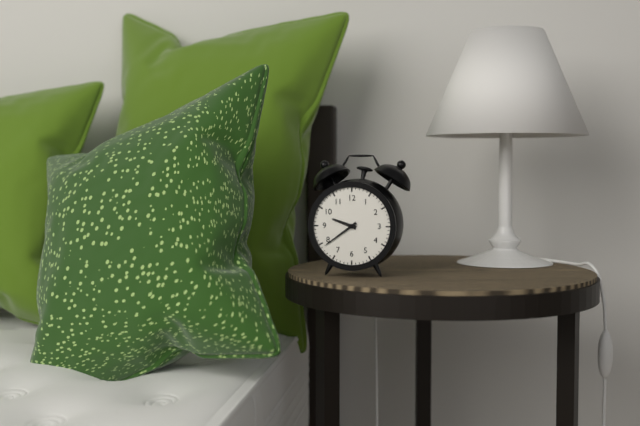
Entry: h=9 m=39
